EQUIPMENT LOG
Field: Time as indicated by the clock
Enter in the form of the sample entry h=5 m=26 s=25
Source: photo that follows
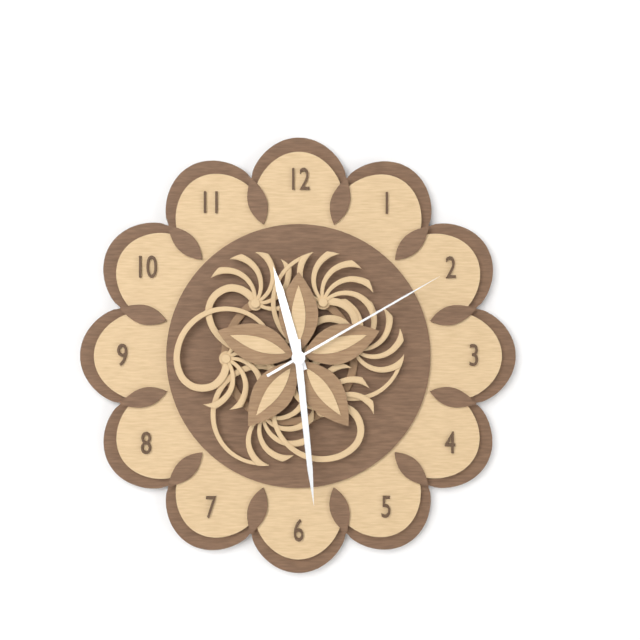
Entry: h=11 m=29 s=10
